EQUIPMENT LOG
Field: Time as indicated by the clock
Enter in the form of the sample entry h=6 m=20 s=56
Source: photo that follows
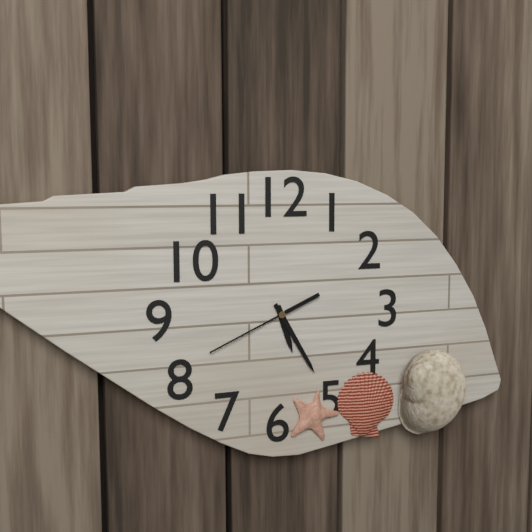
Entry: h=5 m=25 s=41
